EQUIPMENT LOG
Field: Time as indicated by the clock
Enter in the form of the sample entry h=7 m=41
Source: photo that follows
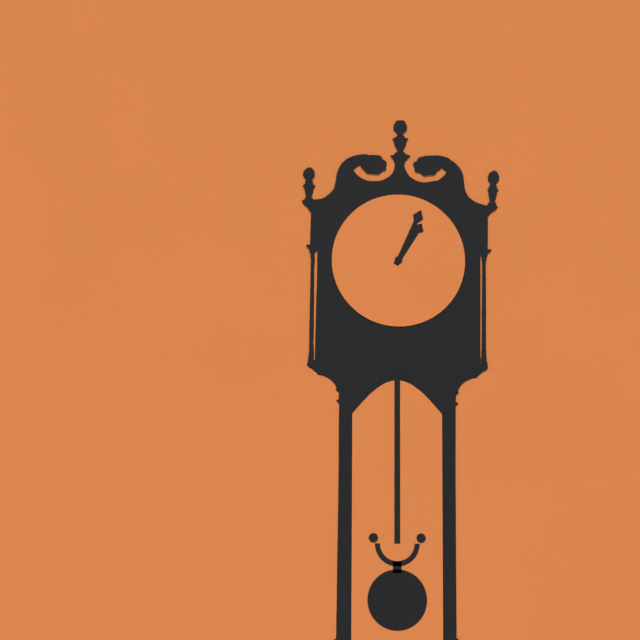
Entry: h=1 m=4
